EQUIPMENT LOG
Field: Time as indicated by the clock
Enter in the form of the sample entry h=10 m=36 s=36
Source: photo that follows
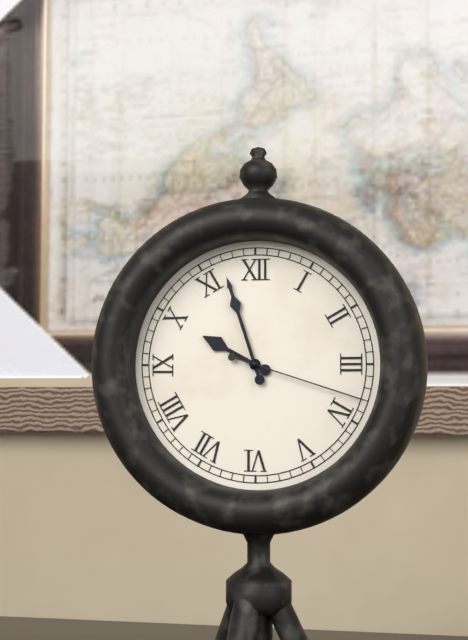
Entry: h=9 m=57 s=18
